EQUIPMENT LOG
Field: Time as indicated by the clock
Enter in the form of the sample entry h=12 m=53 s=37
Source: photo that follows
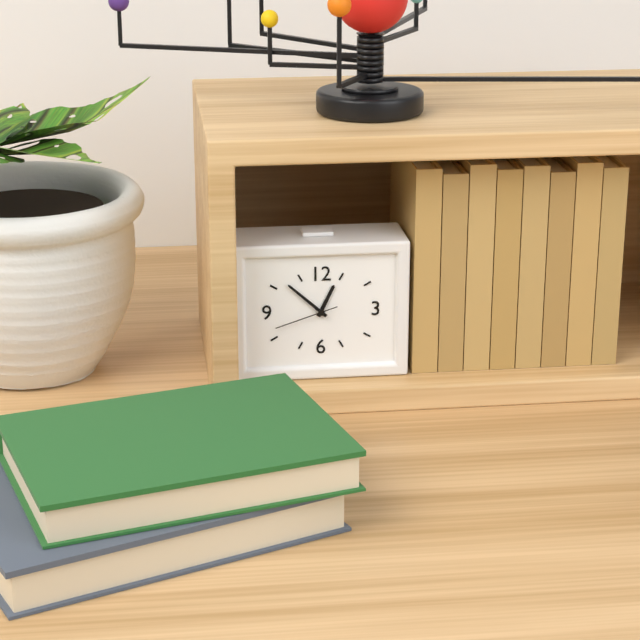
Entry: h=12 m=52 s=42
